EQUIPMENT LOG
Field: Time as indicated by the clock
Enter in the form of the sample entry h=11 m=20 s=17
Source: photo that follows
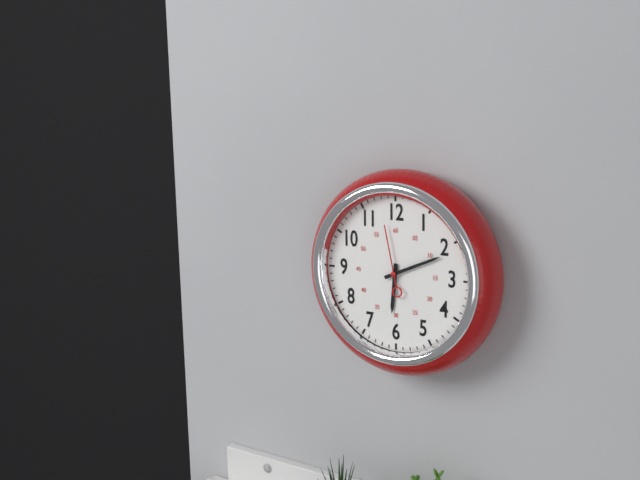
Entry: h=6 m=11 s=58
